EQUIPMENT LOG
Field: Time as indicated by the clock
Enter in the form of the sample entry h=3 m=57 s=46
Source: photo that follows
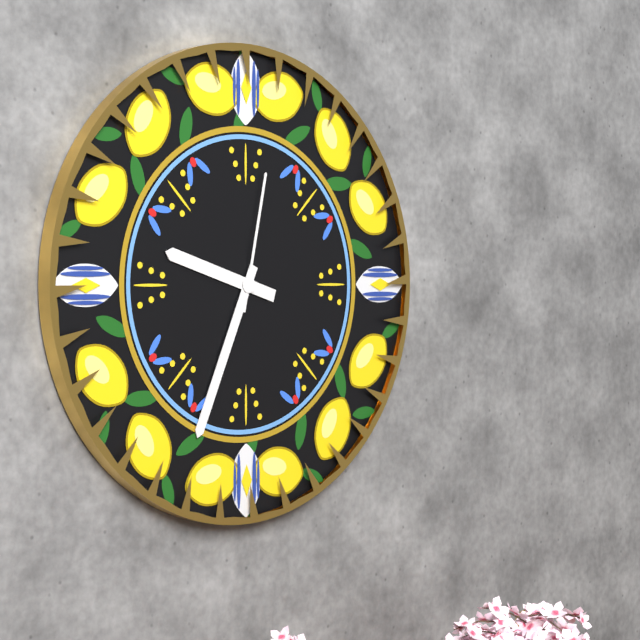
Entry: h=9 m=34 s=2
